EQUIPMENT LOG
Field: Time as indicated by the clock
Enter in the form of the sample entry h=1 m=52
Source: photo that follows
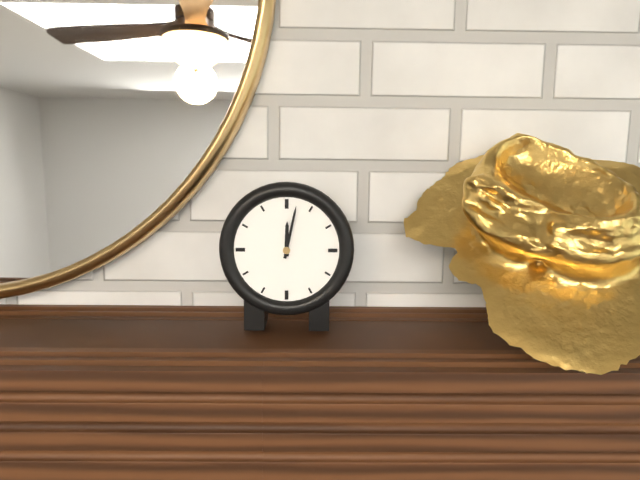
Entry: h=12 m=2
